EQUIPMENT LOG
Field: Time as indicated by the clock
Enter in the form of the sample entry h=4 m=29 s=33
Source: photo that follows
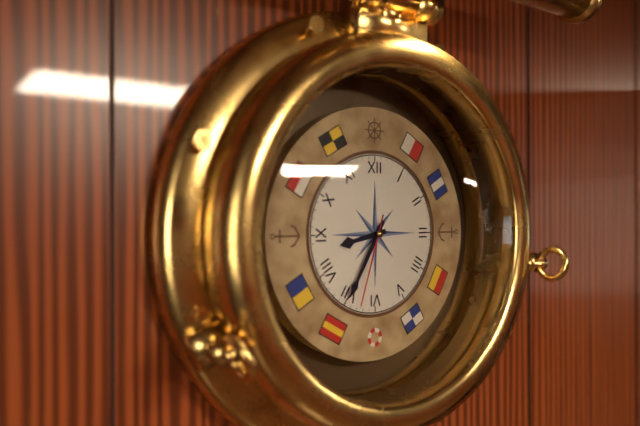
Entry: h=8 m=35 s=33
